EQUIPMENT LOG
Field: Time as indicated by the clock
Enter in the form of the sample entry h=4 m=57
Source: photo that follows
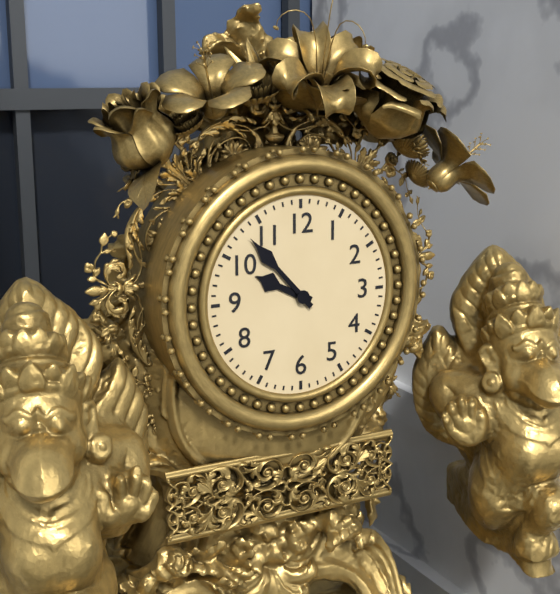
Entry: h=9 m=53
